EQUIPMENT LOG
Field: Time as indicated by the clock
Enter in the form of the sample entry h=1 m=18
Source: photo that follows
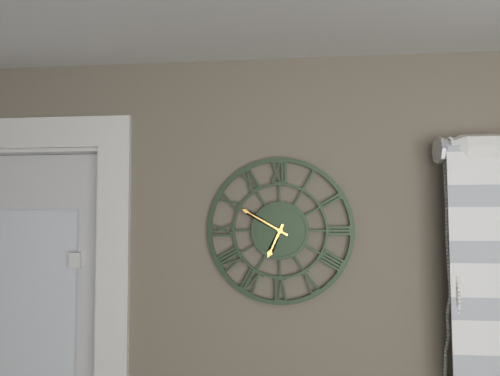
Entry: h=6 m=50
